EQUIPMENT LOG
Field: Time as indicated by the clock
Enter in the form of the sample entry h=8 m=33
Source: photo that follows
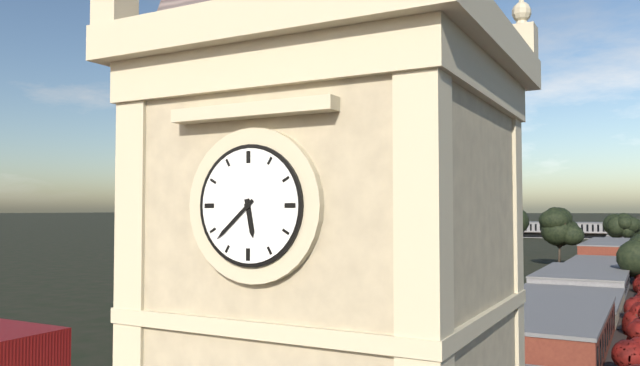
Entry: h=5 m=38
